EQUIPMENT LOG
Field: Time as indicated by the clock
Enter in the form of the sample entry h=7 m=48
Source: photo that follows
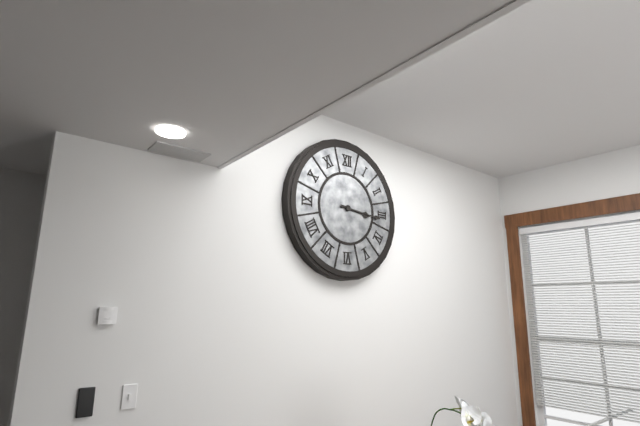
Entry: h=3 m=16
